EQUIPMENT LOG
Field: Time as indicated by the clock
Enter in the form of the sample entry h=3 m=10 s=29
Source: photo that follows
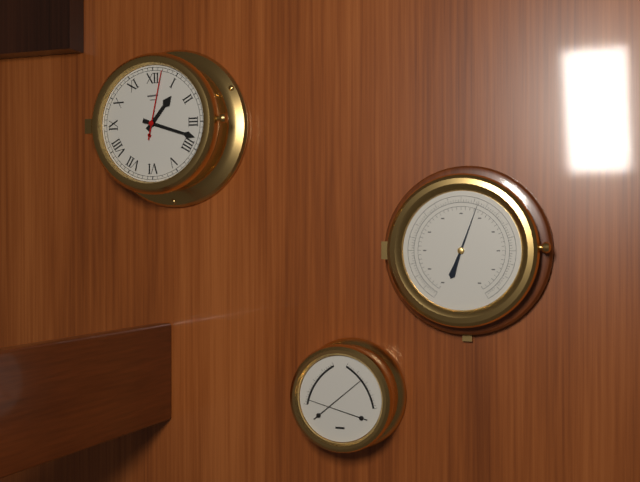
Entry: h=1 m=18 s=2
